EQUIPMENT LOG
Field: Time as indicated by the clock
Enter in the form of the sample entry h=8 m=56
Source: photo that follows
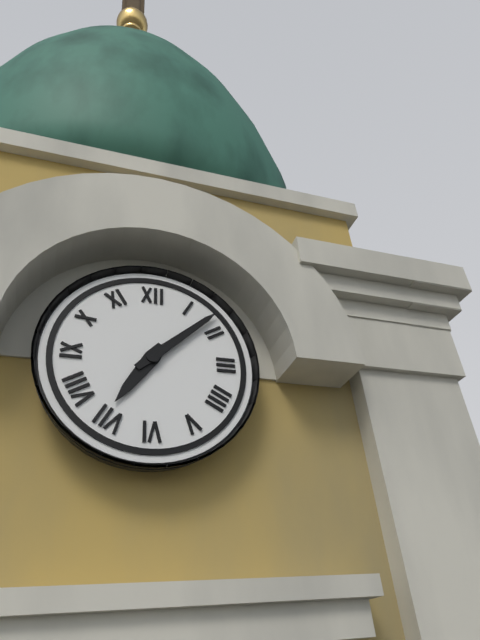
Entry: h=7 m=8
